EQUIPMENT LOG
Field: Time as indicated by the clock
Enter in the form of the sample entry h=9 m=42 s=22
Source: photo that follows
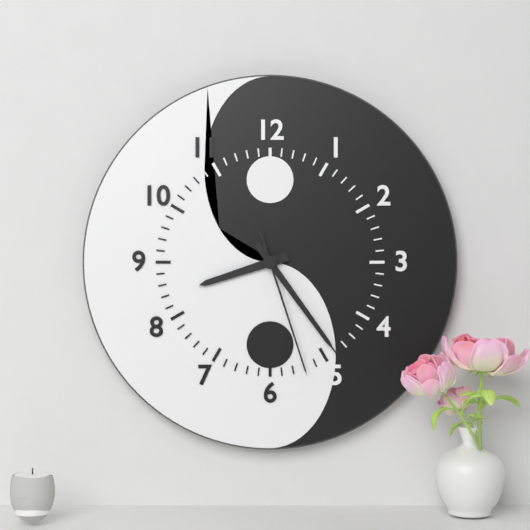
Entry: h=8 m=24 s=27
